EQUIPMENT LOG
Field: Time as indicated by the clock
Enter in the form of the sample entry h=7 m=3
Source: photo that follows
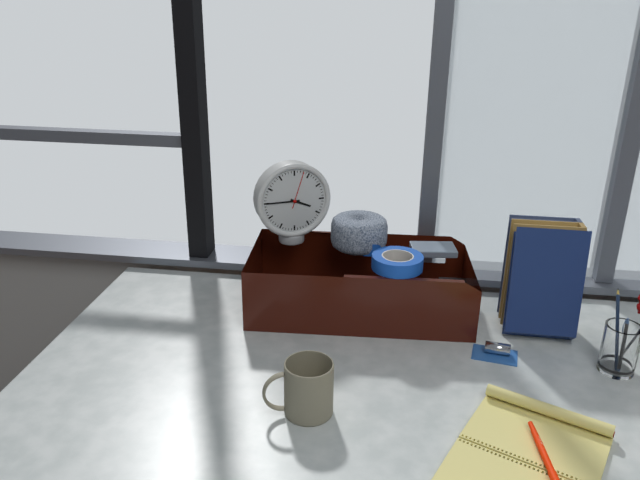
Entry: h=3 m=45
